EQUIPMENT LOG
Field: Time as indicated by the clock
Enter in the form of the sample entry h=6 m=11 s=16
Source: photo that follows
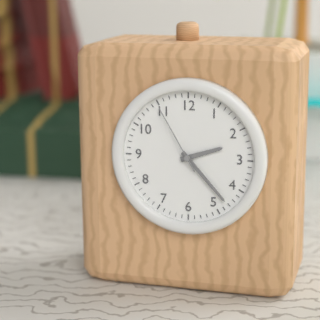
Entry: h=2 m=23 s=55
